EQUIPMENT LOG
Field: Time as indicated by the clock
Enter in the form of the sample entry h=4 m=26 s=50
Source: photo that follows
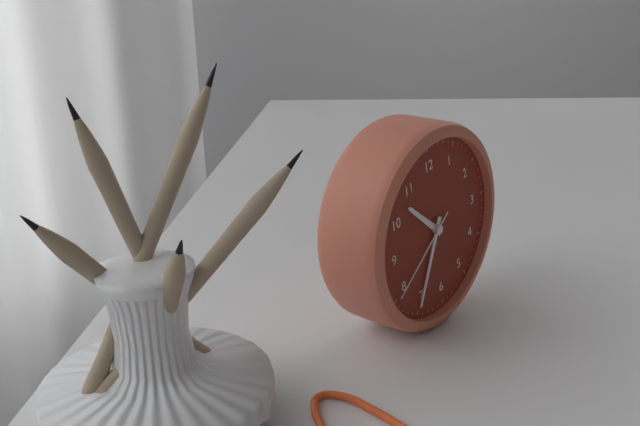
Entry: h=10 m=35 s=40
